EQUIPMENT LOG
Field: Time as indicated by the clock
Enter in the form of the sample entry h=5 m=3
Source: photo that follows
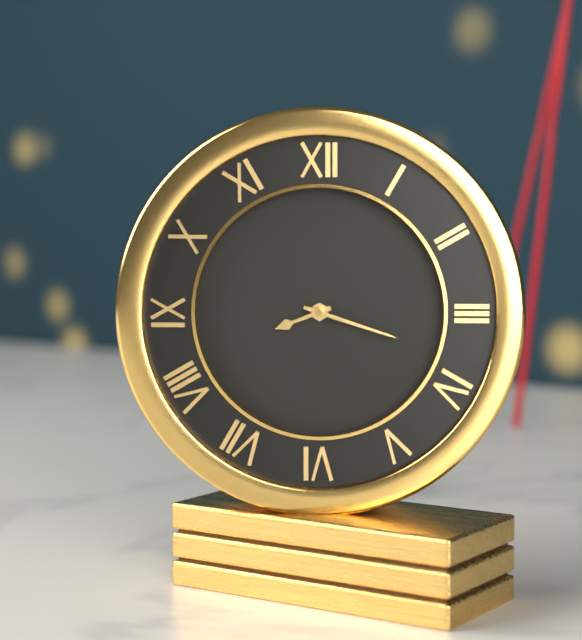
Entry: h=8 m=18
